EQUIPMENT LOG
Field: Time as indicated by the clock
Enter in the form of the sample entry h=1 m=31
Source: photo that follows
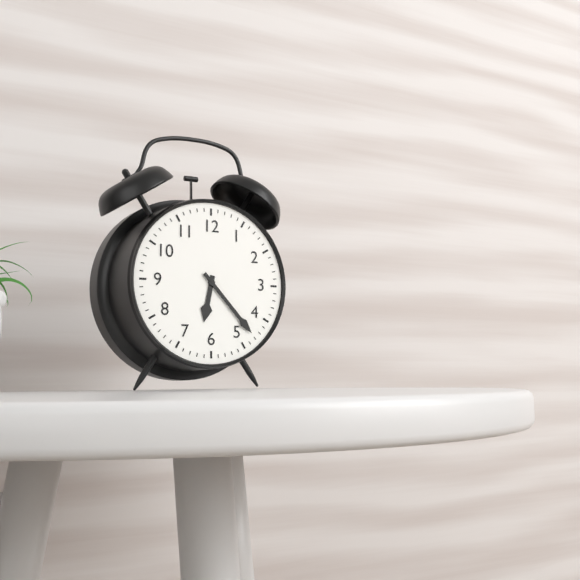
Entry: h=6 m=23
